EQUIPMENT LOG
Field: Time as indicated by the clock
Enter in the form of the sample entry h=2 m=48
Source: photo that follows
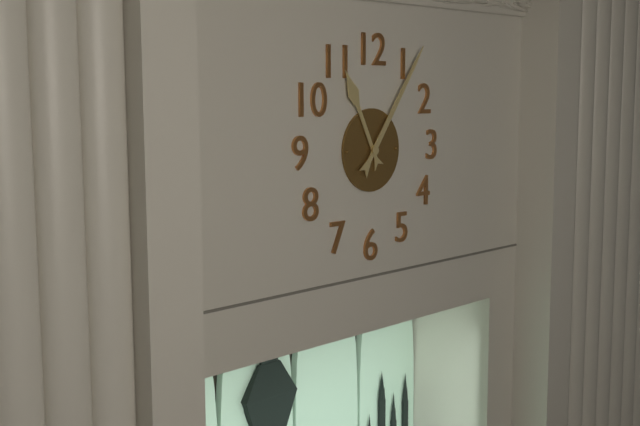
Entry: h=11 m=6
